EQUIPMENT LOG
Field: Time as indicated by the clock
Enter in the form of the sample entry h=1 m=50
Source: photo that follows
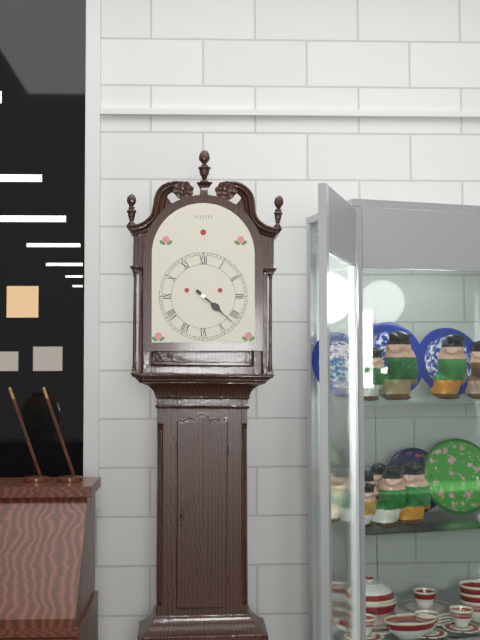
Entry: h=4 m=22
